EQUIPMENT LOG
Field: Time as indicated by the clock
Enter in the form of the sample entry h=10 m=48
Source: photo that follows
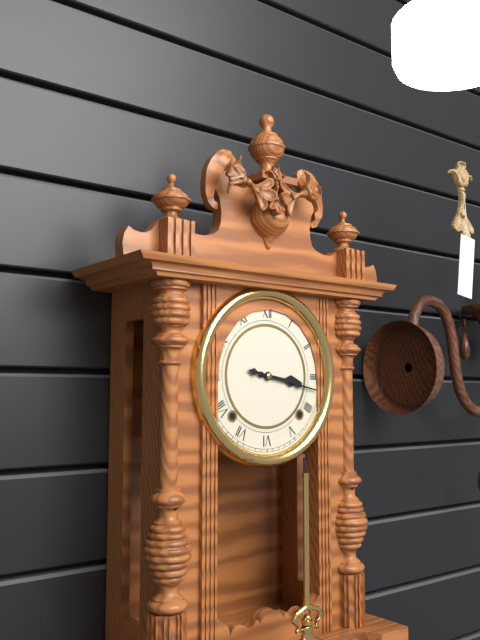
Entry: h=3 m=17
